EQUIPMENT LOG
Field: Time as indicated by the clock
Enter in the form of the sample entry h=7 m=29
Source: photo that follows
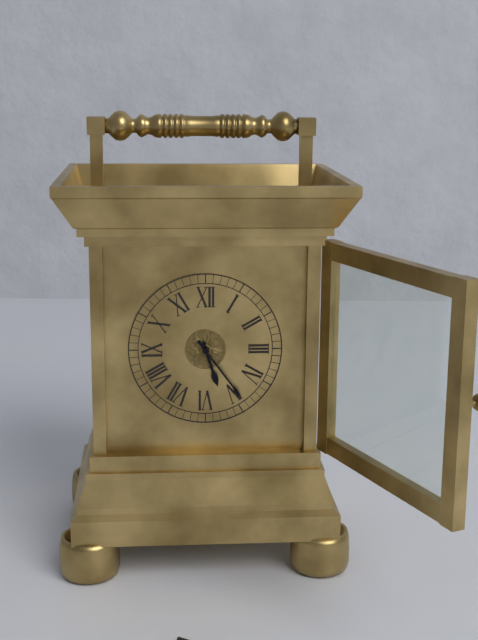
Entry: h=5 m=24
